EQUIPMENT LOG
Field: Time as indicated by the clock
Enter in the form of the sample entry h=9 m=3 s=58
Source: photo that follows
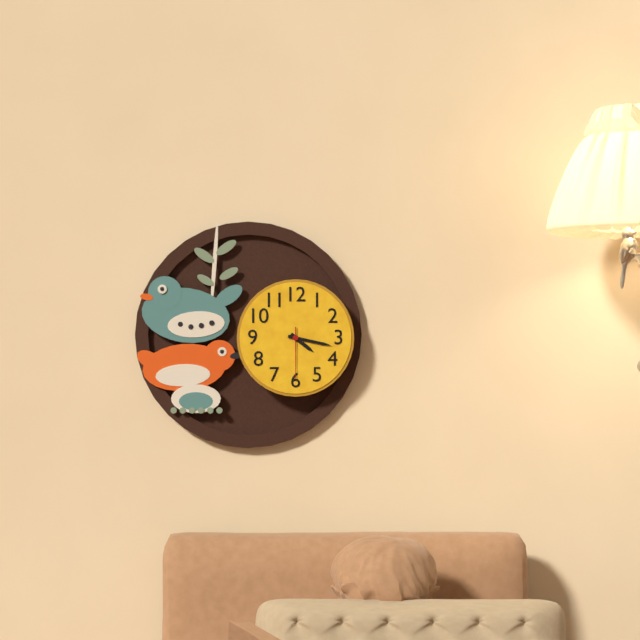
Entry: h=4 m=17 s=30
